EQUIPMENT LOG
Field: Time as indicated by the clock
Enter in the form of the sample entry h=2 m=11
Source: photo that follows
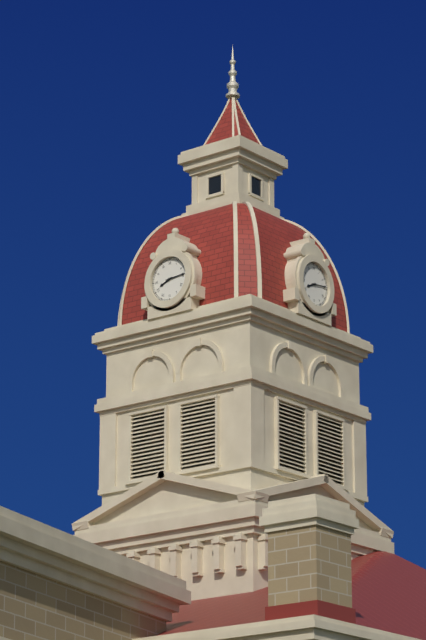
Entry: h=8 m=14
